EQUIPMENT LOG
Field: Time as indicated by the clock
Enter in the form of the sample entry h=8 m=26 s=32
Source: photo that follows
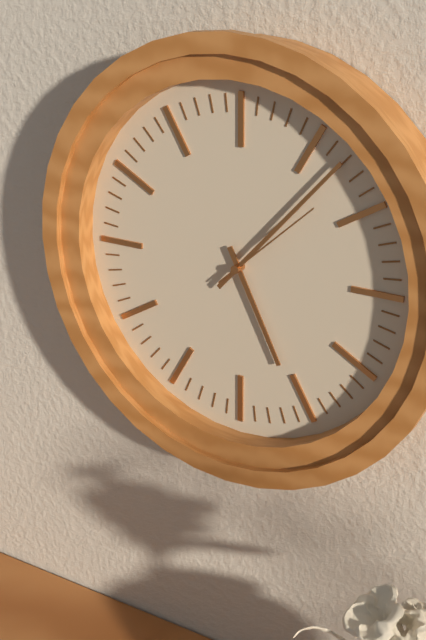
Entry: h=5 m=7 s=8
